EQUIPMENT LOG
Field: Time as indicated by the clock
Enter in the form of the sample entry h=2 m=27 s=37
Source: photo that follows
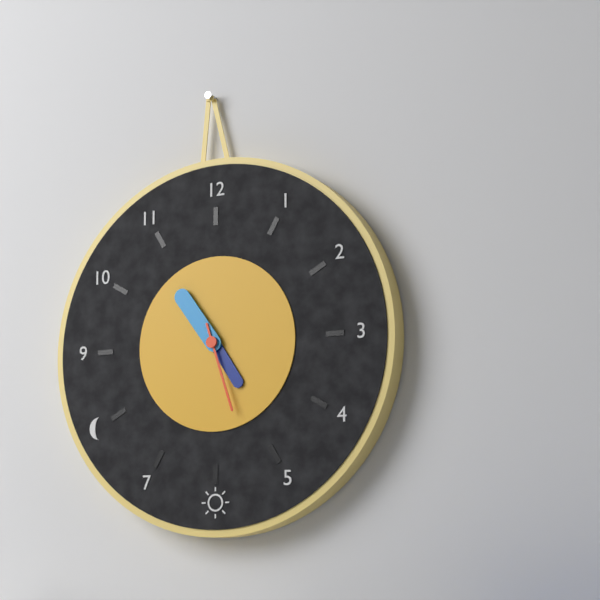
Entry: h=4 m=54 s=27
